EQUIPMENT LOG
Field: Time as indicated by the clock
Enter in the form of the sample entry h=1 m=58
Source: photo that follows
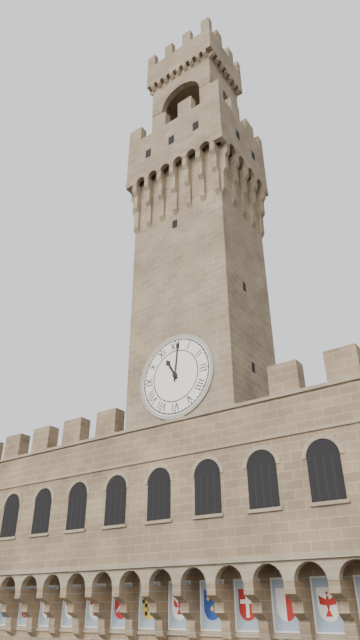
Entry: h=11 m=1
